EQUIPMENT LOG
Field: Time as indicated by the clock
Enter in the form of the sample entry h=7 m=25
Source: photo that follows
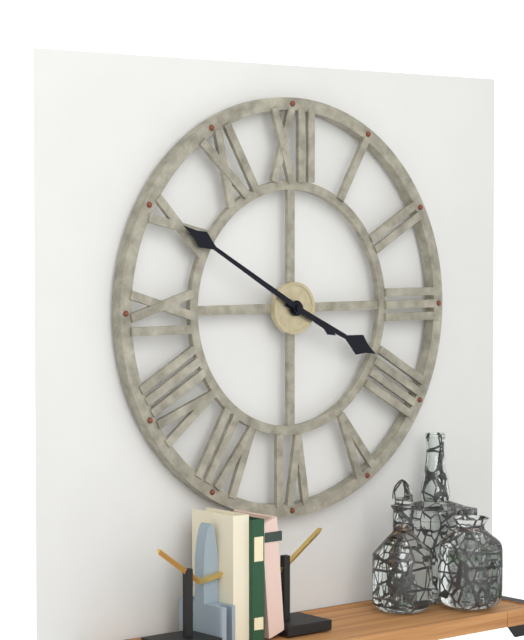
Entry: h=3 m=50
